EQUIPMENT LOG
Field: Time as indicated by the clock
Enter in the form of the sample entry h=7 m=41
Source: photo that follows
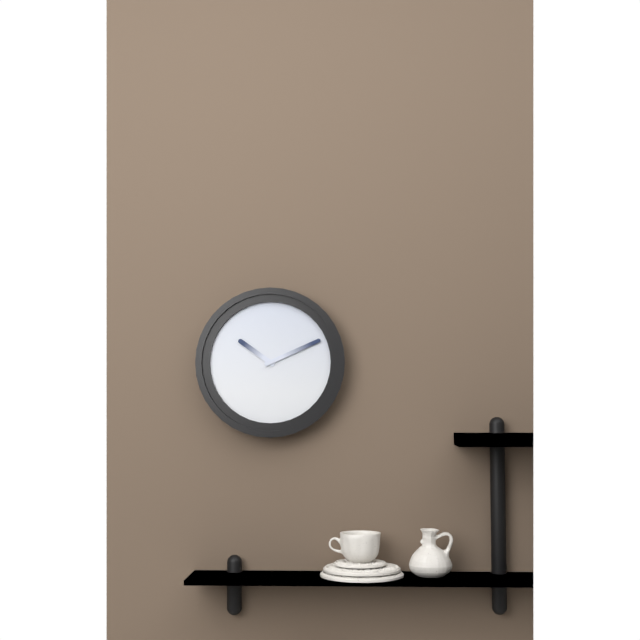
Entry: h=10 m=11
